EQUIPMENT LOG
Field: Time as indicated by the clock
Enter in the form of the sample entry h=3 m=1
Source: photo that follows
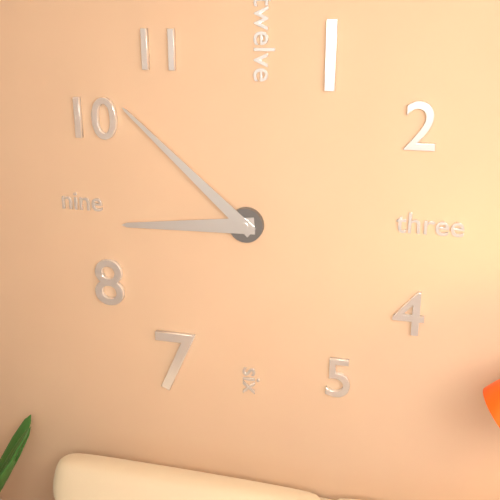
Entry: h=8 m=52
